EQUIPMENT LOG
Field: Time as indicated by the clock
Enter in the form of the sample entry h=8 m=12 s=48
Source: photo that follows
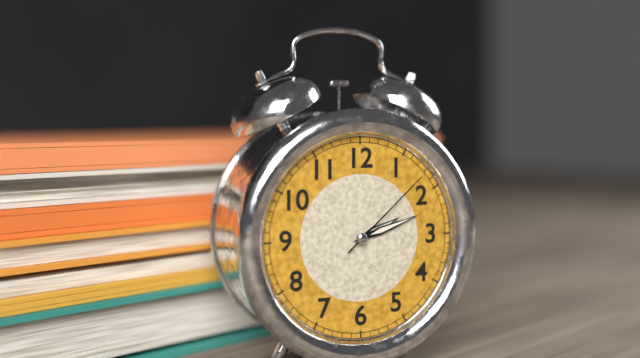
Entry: h=2 m=12 s=8
